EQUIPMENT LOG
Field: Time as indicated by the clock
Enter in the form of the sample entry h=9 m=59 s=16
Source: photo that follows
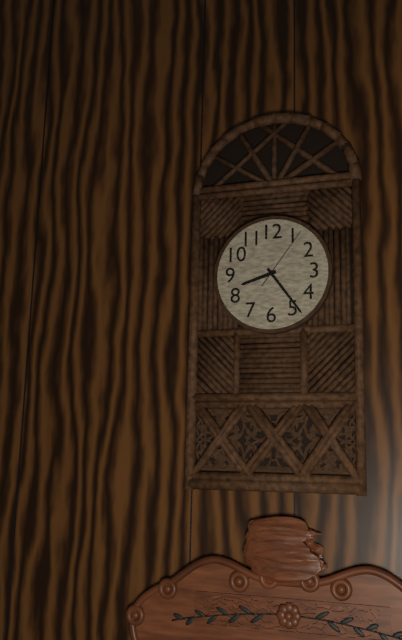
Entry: h=8 m=24 s=6
